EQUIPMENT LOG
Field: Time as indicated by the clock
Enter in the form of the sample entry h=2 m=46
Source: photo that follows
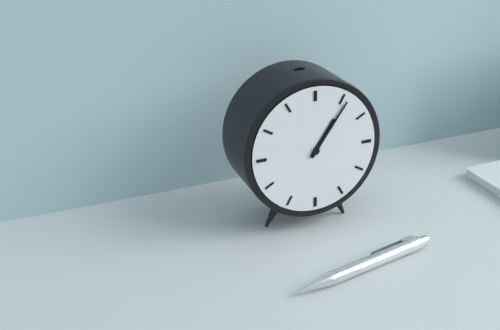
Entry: h=1 m=6
